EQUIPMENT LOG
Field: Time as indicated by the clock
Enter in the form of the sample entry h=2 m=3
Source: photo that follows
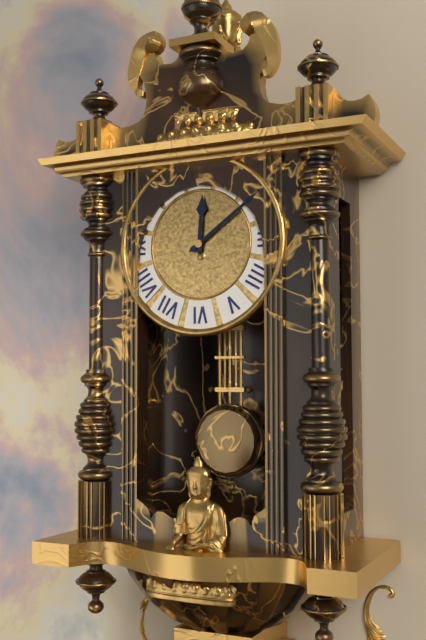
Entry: h=12 m=9
